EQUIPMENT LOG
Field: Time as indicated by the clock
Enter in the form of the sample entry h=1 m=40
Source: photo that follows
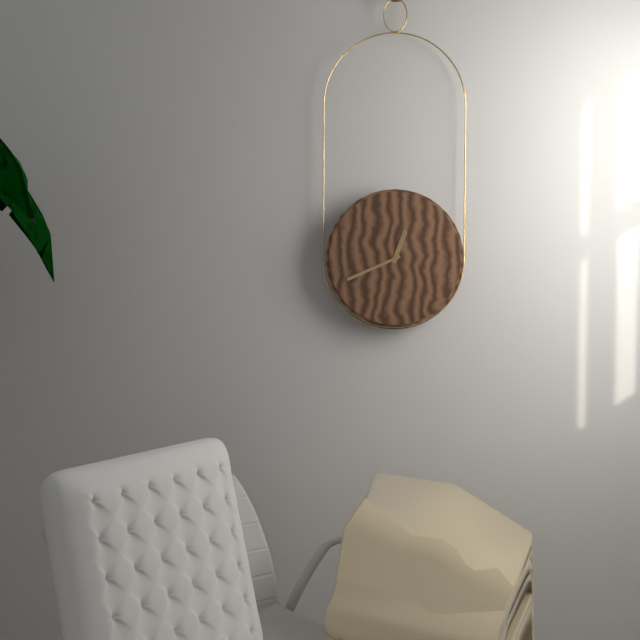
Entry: h=12 m=41
